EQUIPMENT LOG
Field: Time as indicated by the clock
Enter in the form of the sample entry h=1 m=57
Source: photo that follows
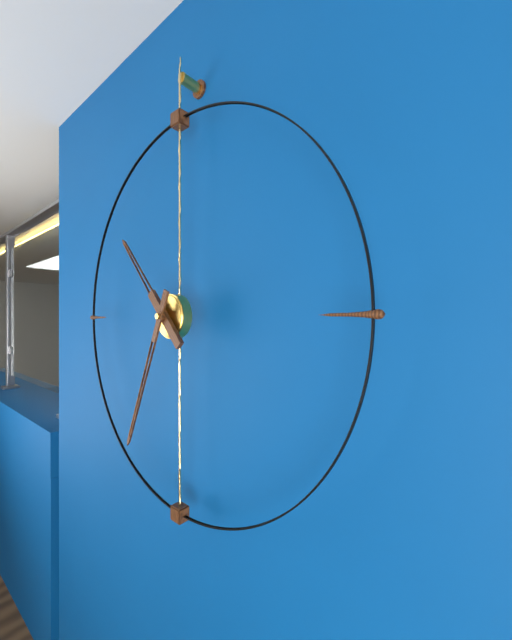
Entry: h=10 m=34
